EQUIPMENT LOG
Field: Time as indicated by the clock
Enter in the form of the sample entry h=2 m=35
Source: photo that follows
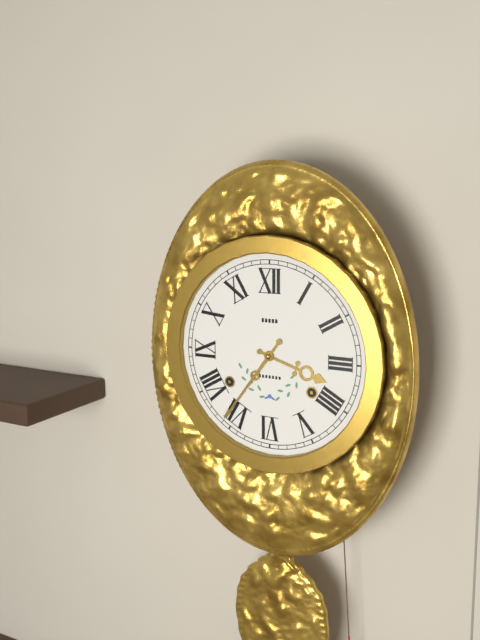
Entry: h=3 m=36
